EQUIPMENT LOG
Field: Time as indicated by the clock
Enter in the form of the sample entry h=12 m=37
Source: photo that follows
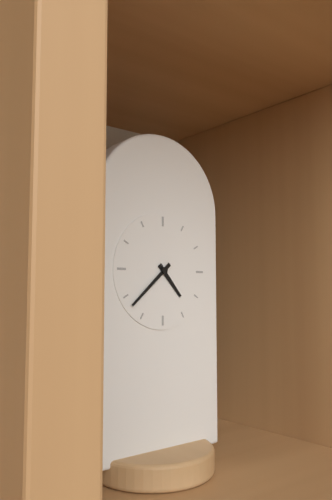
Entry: h=4 m=38
